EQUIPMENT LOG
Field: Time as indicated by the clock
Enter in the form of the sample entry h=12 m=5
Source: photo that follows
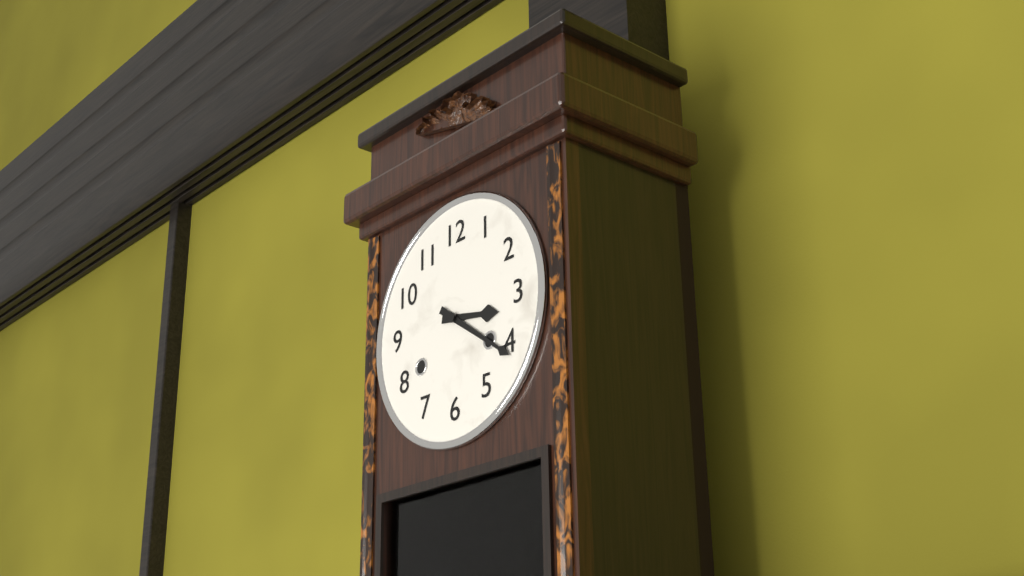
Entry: h=3 m=21
